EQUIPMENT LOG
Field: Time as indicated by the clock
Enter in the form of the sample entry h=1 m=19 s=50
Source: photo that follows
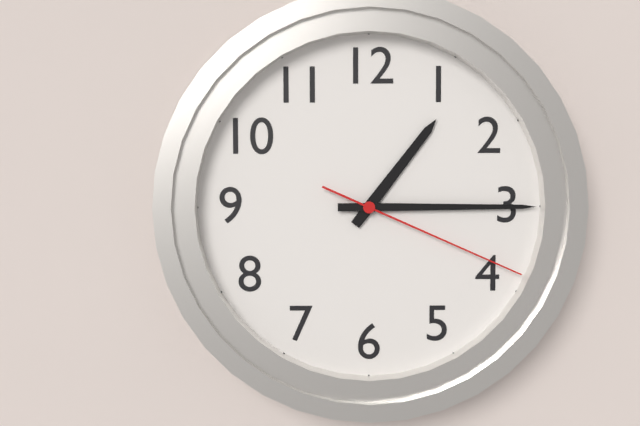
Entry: h=1 m=15 s=19
